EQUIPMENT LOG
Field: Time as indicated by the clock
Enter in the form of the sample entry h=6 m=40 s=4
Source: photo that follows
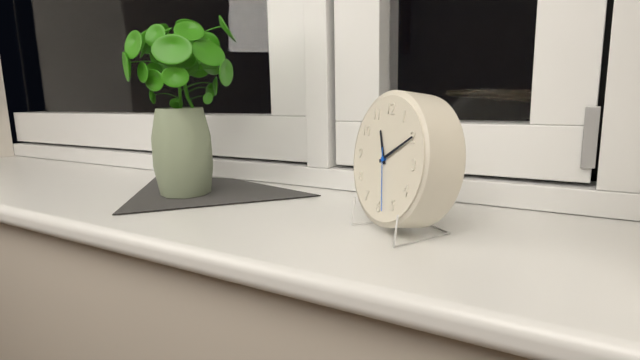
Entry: h=11 m=10 s=28
